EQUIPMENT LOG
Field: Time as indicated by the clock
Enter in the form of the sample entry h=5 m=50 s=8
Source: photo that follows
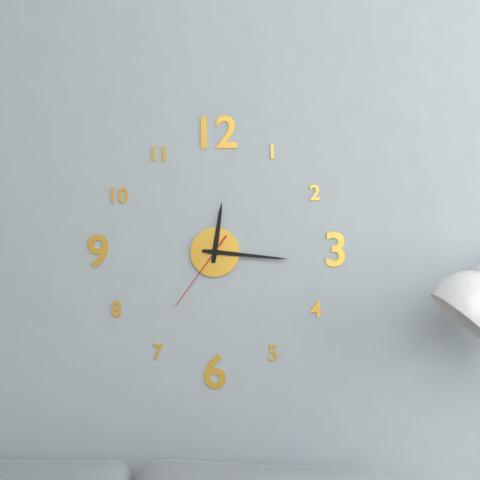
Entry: h=12 m=16 s=36
